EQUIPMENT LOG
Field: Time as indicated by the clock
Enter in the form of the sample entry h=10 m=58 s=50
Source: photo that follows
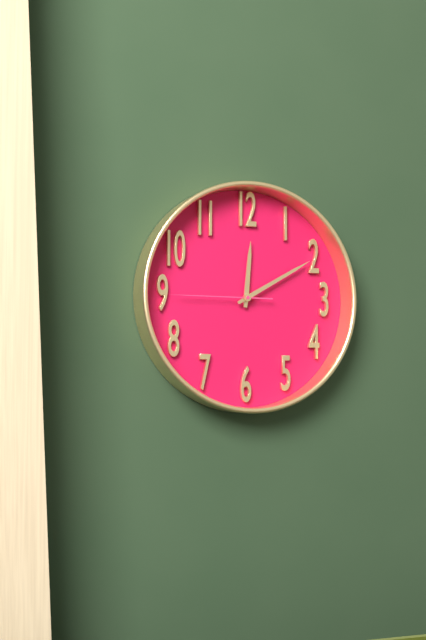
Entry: h=12 m=10 s=45
